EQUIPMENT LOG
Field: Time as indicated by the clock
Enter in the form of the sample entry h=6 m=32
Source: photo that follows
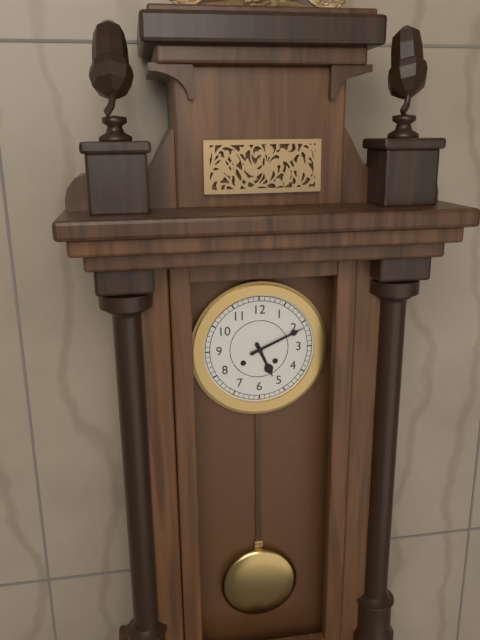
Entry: h=5 m=11
